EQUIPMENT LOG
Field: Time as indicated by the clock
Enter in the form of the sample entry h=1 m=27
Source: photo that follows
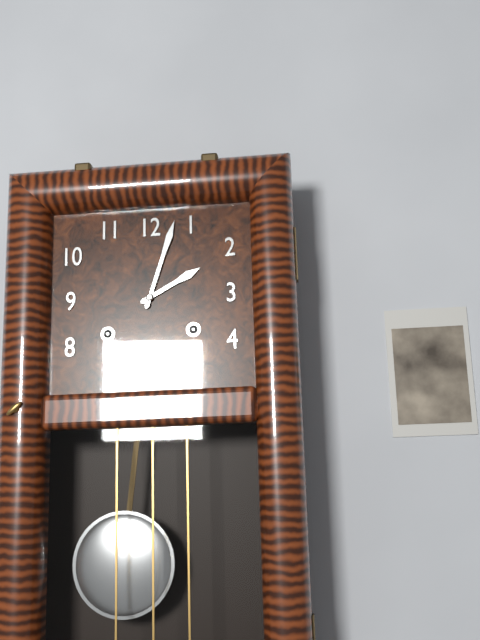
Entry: h=2 m=3
